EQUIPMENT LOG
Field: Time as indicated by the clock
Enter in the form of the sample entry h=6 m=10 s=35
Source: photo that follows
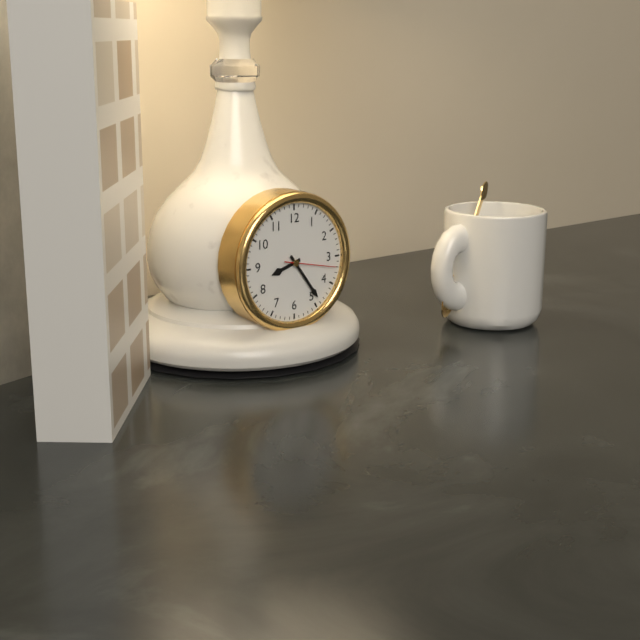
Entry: h=8 m=24 s=17
